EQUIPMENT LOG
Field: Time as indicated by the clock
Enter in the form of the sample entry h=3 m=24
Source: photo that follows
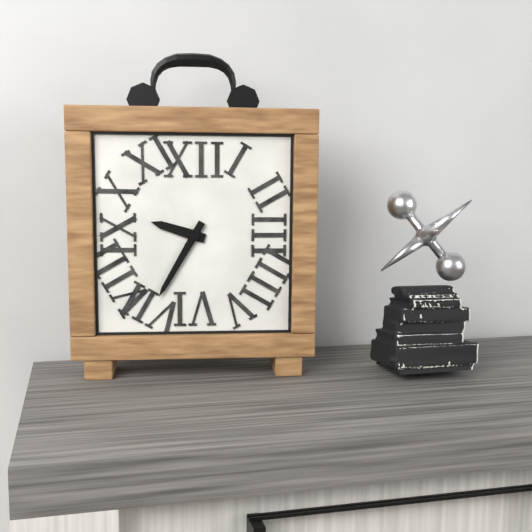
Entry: h=9 m=35
